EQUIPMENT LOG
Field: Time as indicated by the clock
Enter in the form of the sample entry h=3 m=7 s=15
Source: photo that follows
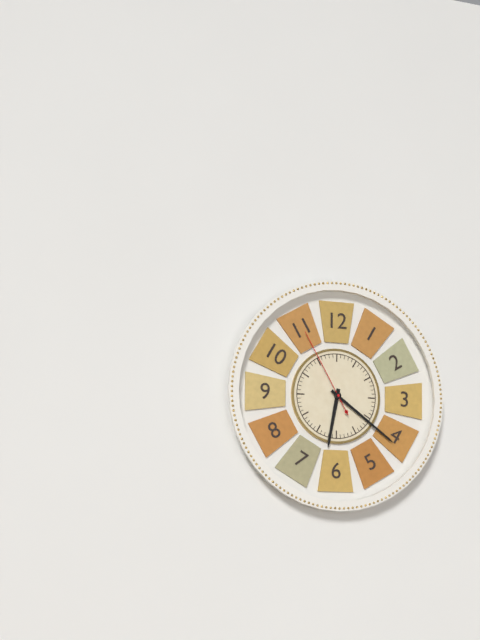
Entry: h=6 m=21 s=55
